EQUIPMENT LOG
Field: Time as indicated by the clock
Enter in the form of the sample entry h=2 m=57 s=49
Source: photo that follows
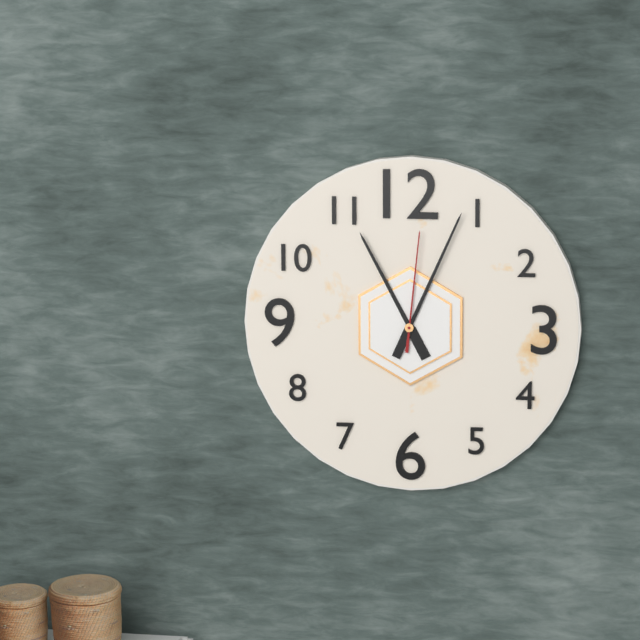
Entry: h=11 m=4 s=1
